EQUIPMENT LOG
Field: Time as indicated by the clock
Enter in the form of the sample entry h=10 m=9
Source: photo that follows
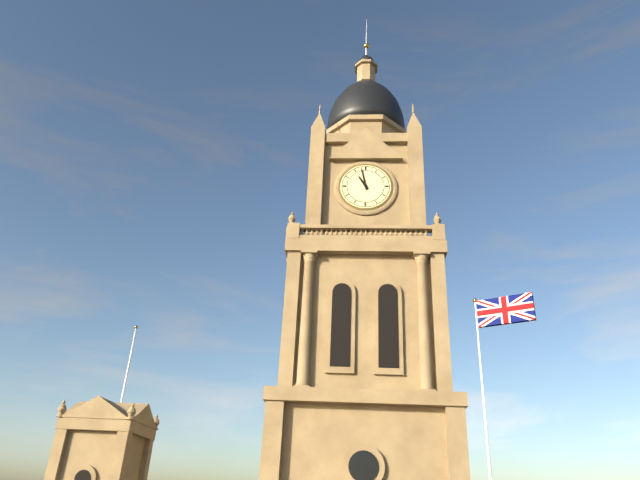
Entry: h=10 m=58
